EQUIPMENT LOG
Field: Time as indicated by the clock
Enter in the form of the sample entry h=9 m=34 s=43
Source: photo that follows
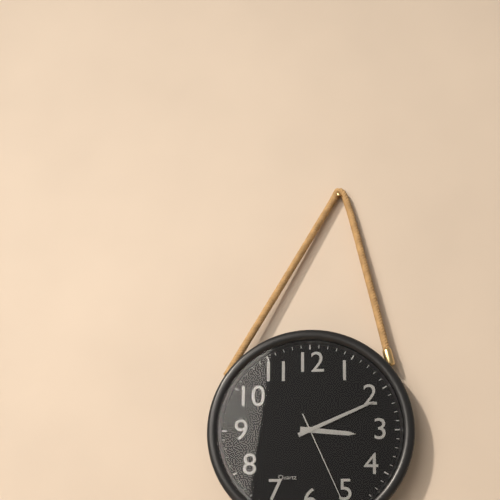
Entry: h=3 m=11 s=26
